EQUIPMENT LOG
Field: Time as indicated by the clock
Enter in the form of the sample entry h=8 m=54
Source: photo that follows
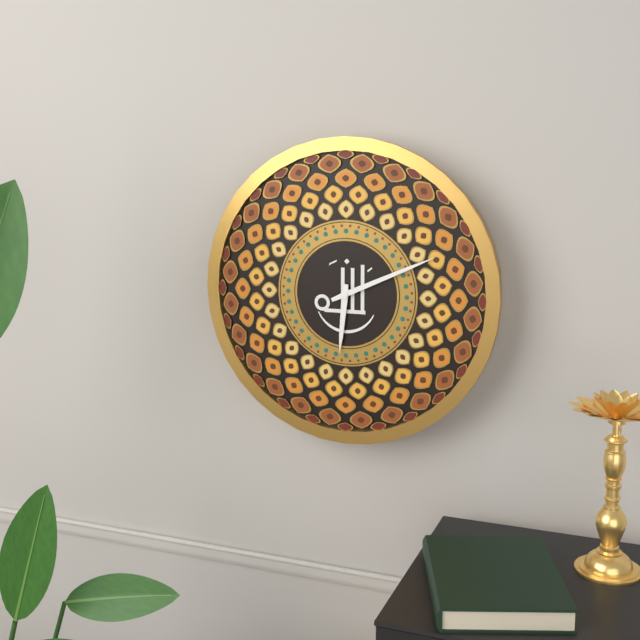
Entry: h=6 m=11
